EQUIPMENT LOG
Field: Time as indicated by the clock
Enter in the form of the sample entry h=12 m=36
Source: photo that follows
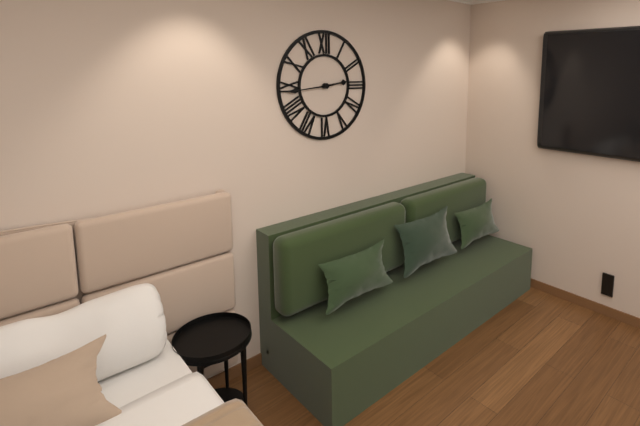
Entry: h=2 m=44
